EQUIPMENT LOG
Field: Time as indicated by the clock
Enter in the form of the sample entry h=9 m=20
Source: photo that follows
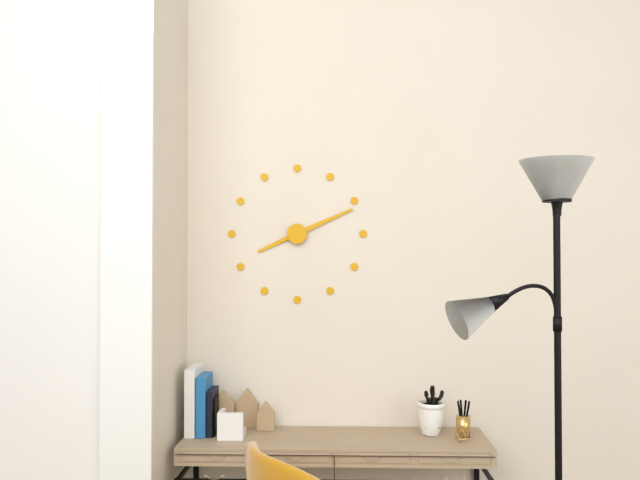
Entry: h=8 m=11
